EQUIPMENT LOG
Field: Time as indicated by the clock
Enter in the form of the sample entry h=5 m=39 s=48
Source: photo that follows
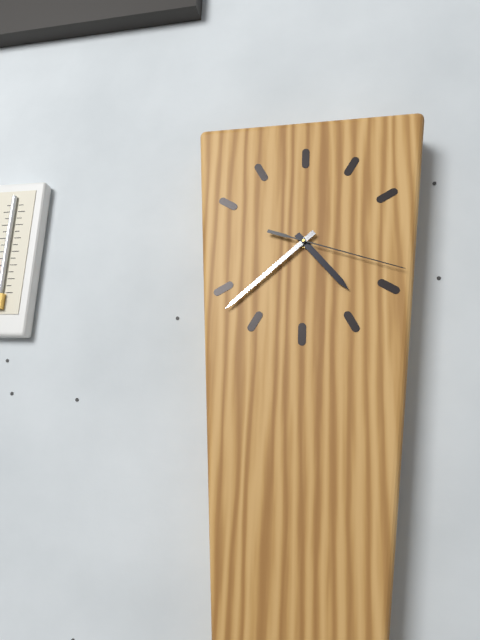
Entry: h=4 m=38 s=18
